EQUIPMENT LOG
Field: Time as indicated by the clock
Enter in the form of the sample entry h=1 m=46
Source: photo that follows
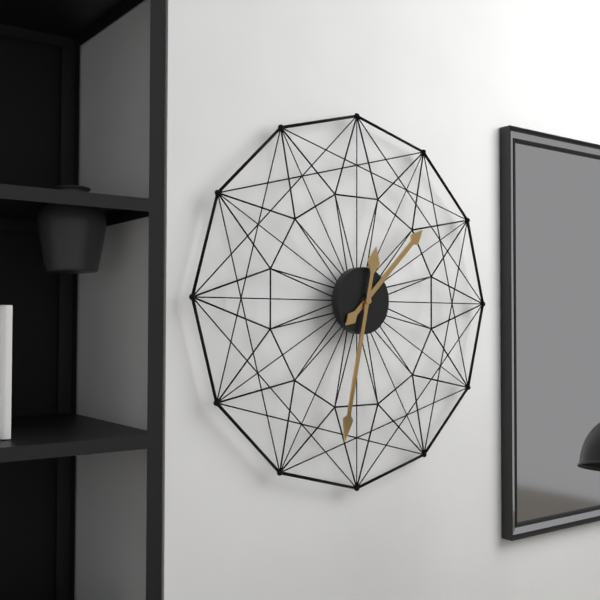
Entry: h=1 m=32
